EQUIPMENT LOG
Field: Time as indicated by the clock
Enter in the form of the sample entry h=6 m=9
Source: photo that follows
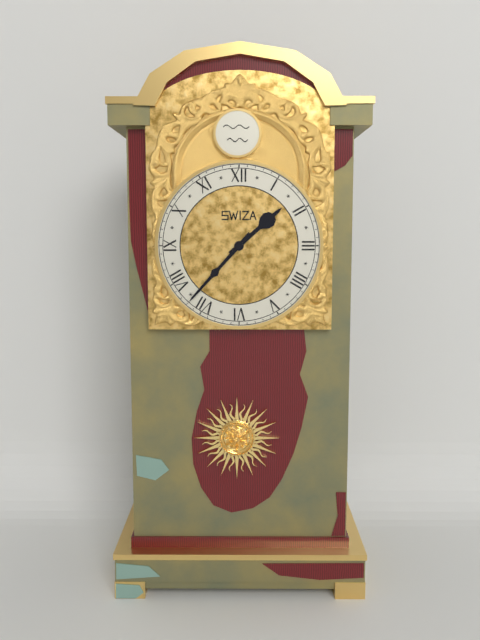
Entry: h=1 m=37
